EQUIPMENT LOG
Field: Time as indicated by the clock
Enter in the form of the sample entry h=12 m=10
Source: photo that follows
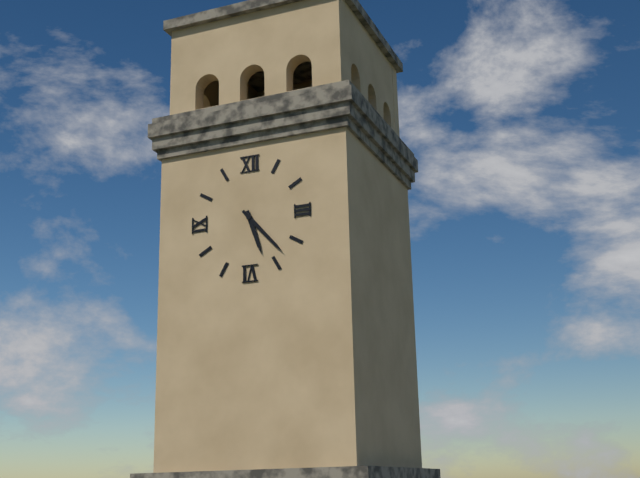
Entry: h=5 m=23
